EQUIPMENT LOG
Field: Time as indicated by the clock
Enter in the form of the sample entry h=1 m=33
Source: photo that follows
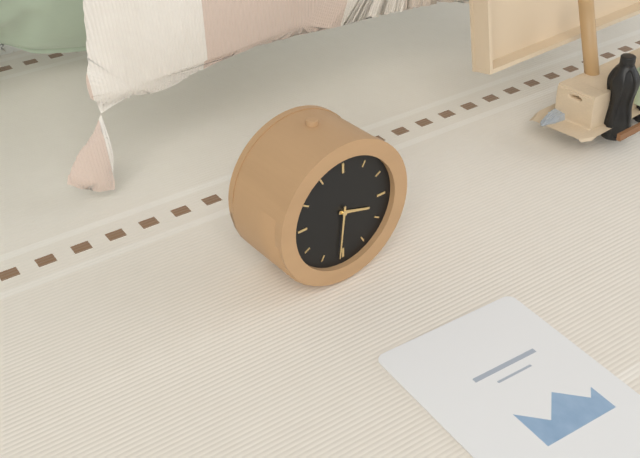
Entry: h=3 m=31
